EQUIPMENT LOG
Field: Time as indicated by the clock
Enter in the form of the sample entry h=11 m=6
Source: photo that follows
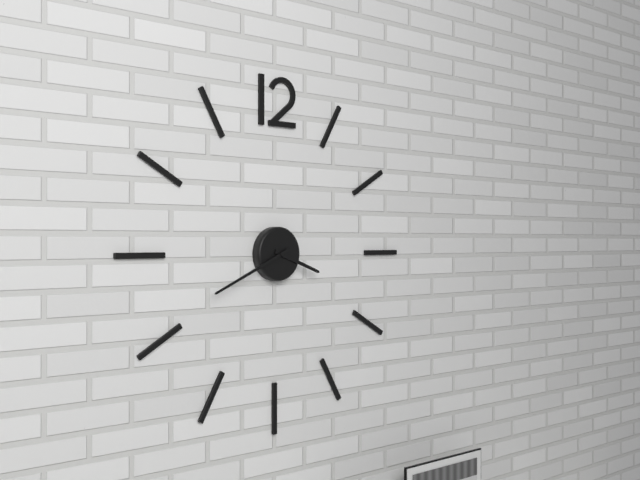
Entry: h=3 m=41
